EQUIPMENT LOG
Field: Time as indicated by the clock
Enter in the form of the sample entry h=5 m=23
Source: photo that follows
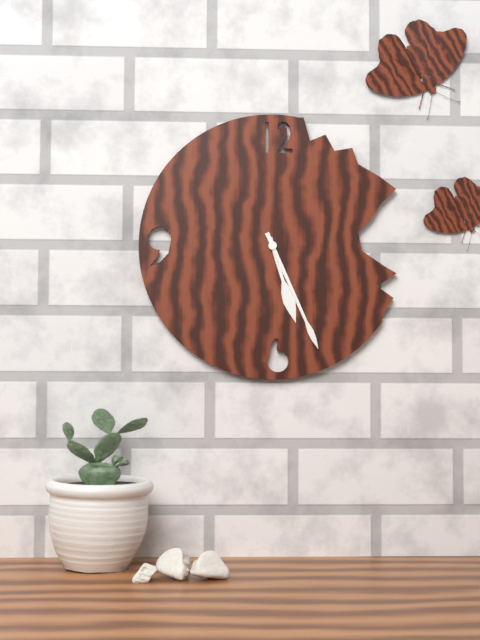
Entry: h=5 m=26
